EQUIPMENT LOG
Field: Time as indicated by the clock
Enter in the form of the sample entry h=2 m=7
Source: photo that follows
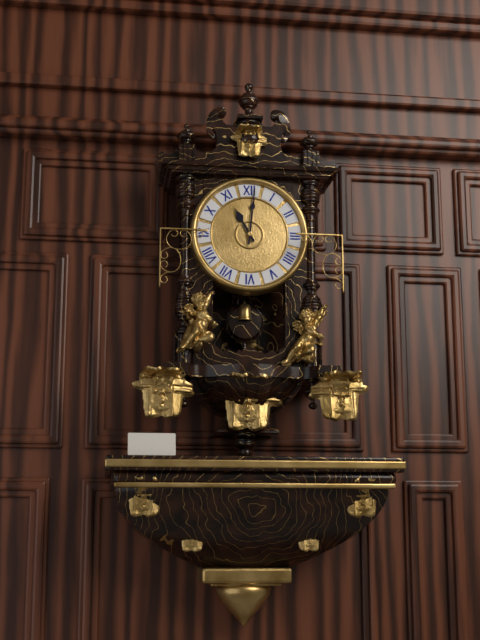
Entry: h=11 m=1
